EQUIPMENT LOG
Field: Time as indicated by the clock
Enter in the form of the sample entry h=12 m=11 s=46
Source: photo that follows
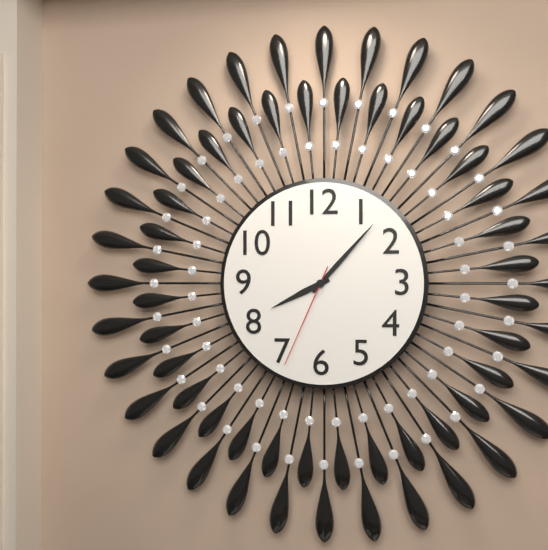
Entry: h=8 m=7 s=34
